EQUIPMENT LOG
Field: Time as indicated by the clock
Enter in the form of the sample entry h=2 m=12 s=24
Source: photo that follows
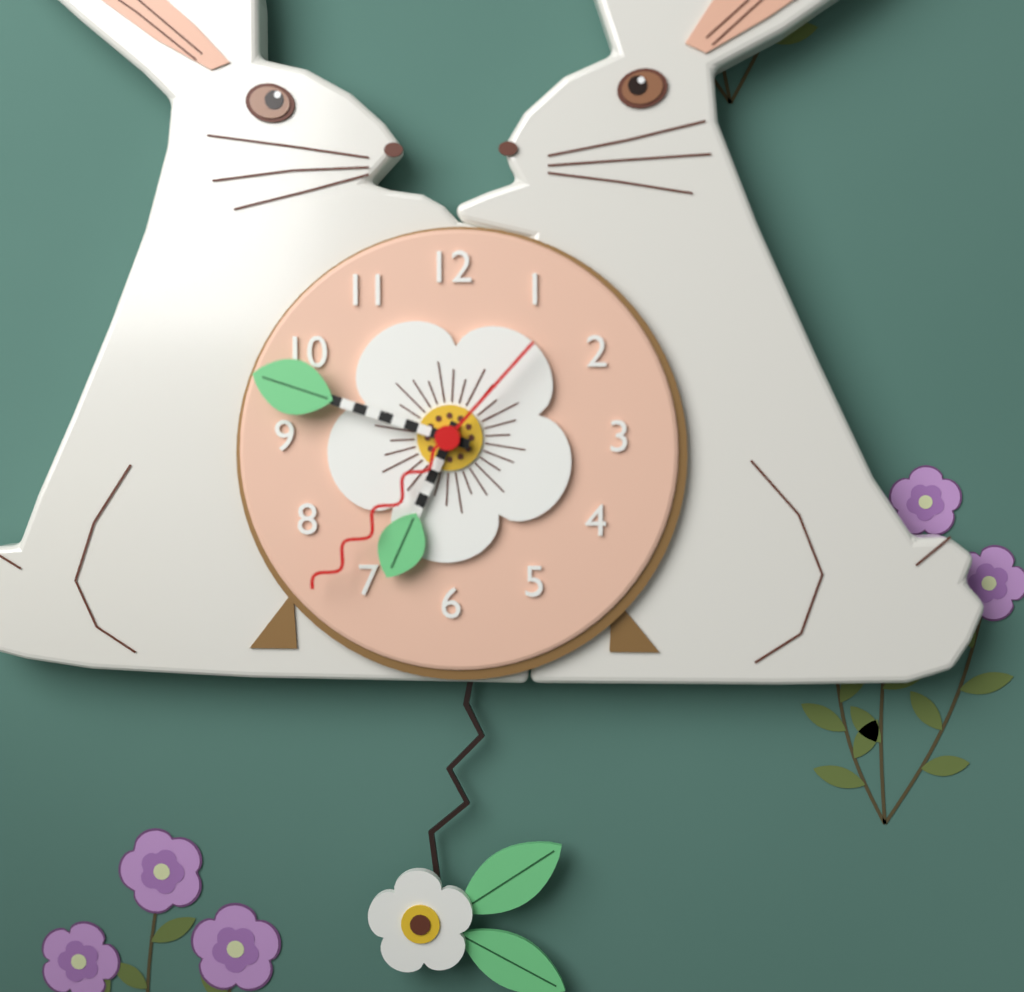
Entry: h=6 m=48 s=37
